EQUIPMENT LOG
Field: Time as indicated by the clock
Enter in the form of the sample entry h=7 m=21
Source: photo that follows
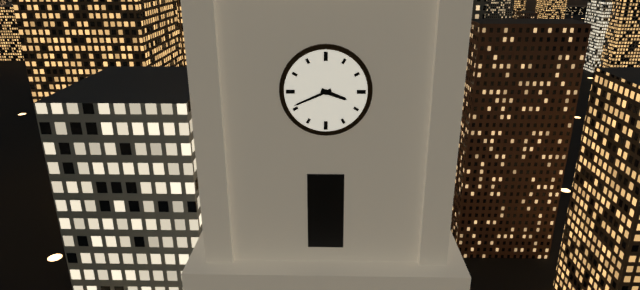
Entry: h=3 m=41
